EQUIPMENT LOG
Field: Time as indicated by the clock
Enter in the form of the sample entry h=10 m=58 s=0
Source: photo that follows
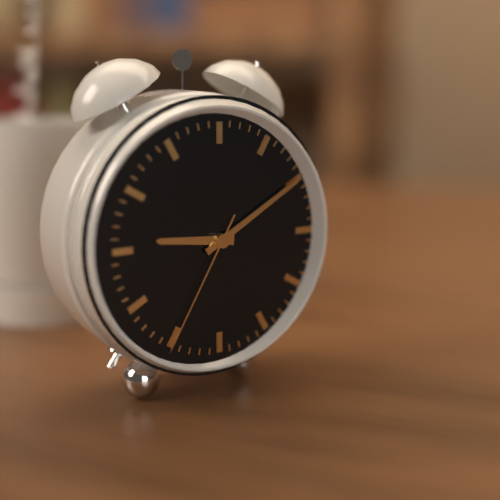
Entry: h=9 m=10 s=35
